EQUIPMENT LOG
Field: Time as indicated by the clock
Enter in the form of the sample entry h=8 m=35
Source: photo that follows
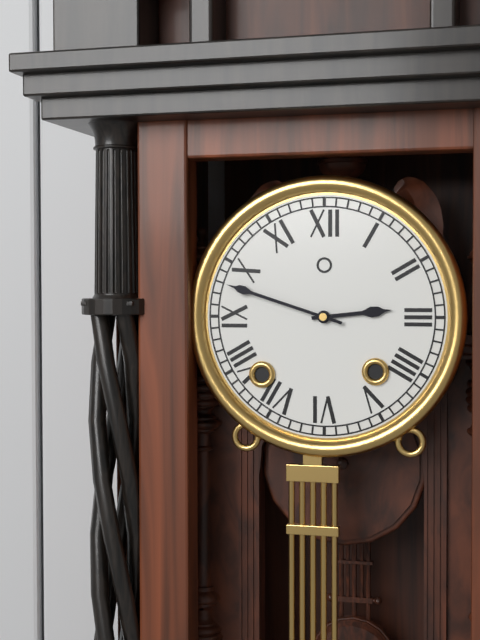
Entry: h=2 m=48
